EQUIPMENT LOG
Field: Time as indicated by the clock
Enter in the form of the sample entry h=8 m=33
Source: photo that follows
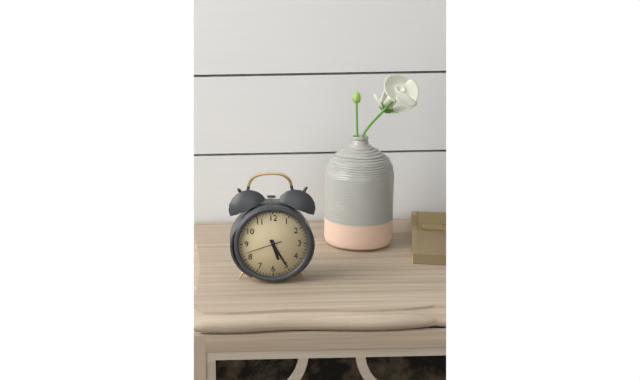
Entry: h=5 m=25
